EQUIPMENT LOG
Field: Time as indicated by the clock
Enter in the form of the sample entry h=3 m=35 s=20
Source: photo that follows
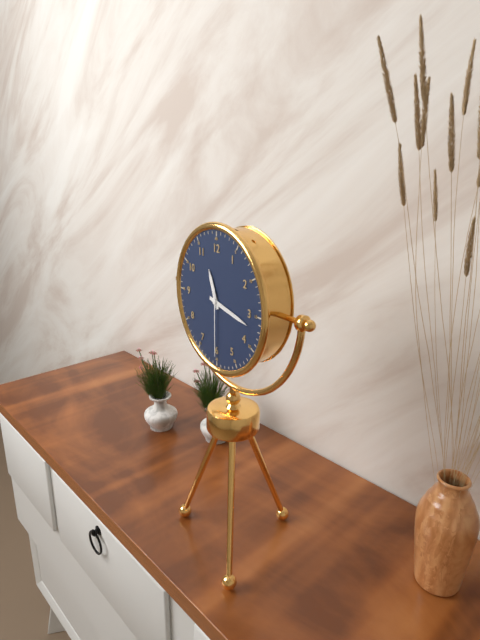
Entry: h=11 m=17 s=30
